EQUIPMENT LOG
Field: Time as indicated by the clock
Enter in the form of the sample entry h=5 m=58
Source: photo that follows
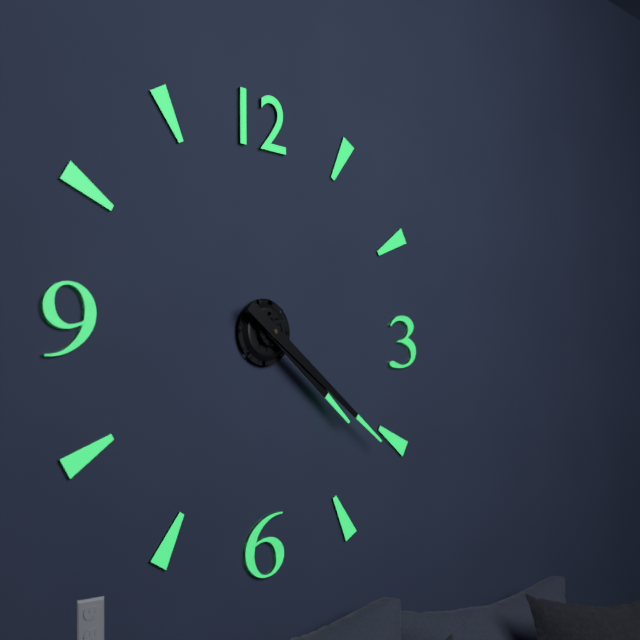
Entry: h=4 m=21
